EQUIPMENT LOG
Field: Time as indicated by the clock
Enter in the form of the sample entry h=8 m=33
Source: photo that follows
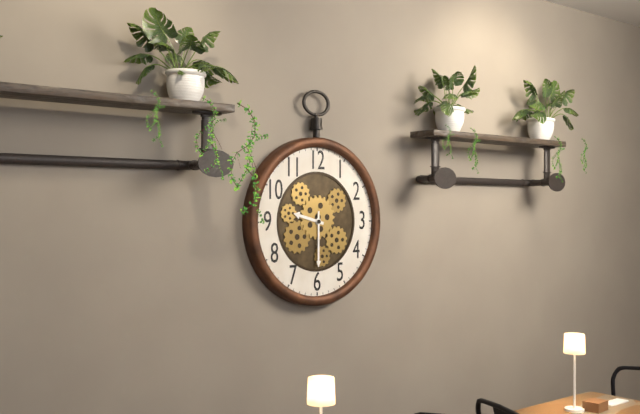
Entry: h=9 m=30
